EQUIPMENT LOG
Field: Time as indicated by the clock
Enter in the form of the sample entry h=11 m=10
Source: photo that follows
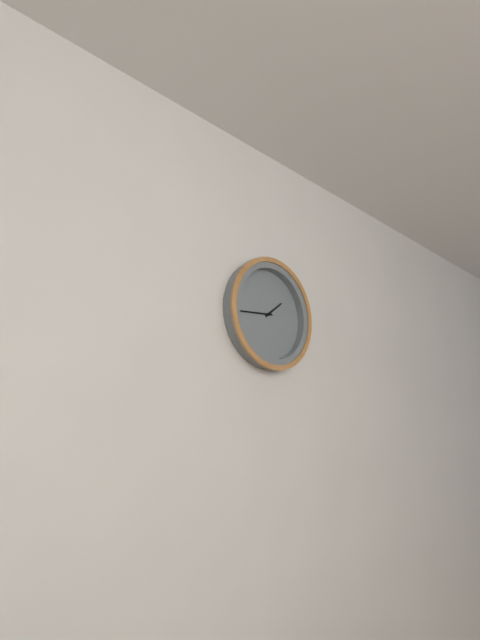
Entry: h=1 m=44
